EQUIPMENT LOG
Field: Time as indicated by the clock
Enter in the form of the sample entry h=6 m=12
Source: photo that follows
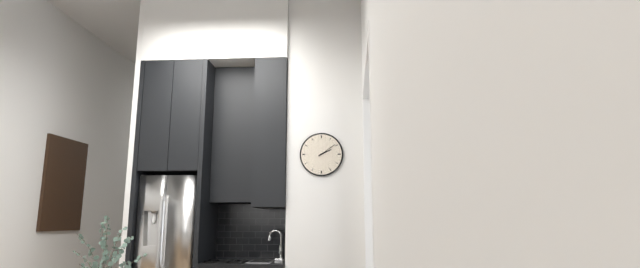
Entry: h=2 m=9
